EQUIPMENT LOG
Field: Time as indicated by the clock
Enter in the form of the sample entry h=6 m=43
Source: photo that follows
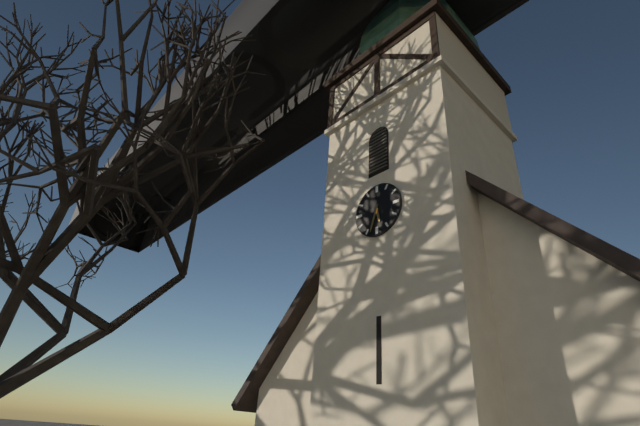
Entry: h=5 m=33
